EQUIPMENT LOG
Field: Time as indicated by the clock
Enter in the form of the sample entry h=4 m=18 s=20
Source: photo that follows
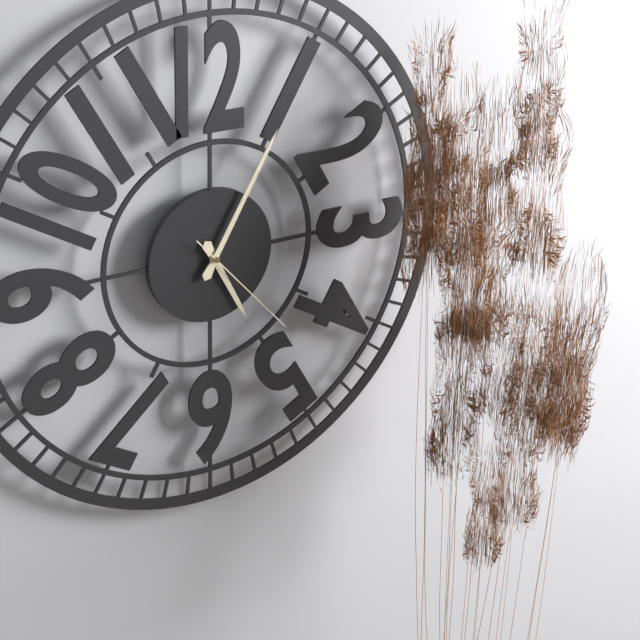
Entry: h=5 m=5 s=23
